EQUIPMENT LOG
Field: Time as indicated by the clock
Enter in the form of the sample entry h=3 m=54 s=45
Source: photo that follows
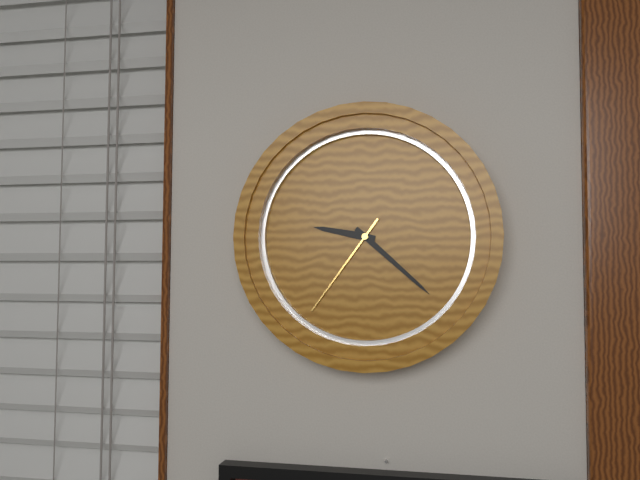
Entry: h=9 m=22 s=36
